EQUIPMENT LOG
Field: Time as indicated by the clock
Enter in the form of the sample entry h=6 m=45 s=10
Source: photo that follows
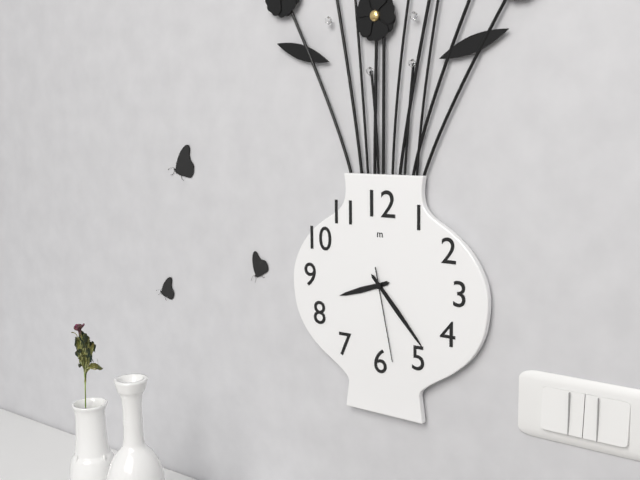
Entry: h=8 m=23 s=28
